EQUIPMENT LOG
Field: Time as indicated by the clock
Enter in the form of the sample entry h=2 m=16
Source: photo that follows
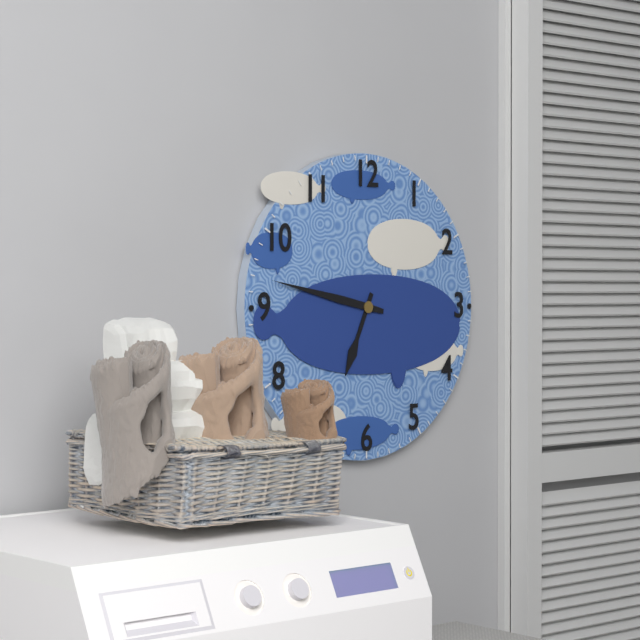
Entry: h=6 m=47
